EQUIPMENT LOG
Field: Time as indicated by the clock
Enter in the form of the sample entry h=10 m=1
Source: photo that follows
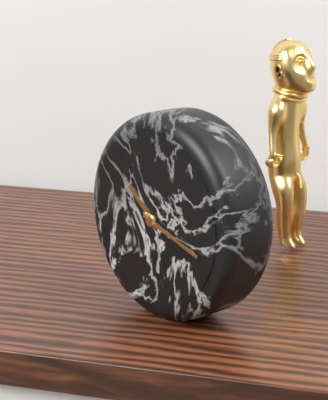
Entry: h=10 m=18
